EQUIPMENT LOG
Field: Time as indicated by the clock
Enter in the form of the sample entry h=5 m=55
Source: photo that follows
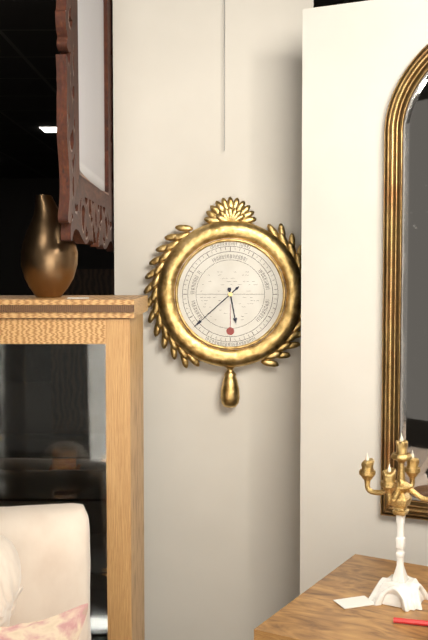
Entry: h=5 m=38
